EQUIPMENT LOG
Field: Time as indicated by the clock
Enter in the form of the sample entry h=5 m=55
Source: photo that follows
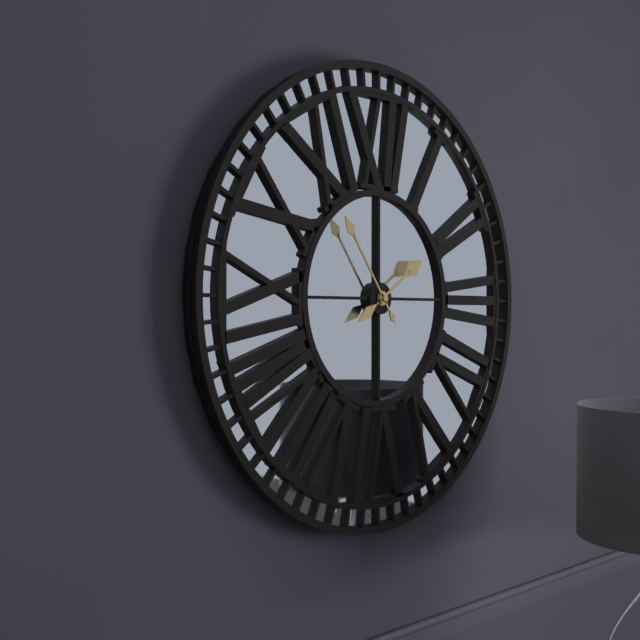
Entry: h=1 m=54
